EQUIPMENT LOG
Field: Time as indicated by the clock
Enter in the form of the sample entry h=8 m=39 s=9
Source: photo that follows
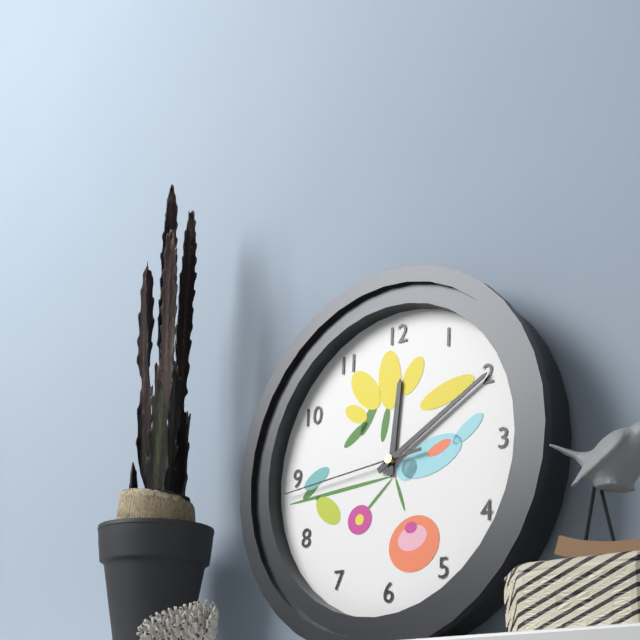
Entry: h=12 m=10 s=44
